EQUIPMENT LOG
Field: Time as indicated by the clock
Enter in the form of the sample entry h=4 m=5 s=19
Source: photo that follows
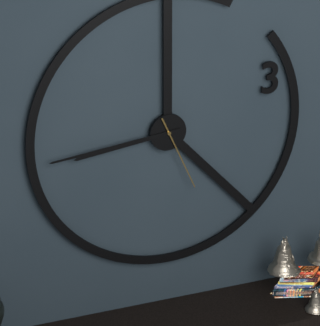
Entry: h=8 m=44 s=26
